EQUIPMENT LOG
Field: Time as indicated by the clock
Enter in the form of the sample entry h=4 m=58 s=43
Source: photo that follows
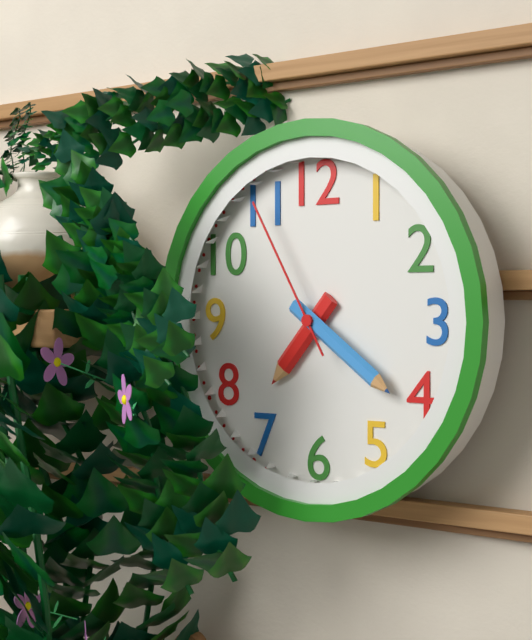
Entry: h=7 m=21 s=55
